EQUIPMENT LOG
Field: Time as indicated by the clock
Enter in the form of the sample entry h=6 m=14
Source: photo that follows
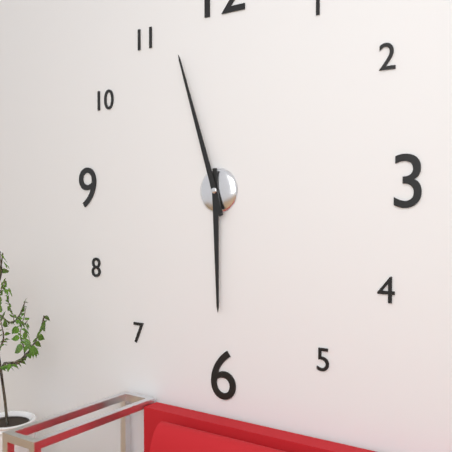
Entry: h=5 m=57
